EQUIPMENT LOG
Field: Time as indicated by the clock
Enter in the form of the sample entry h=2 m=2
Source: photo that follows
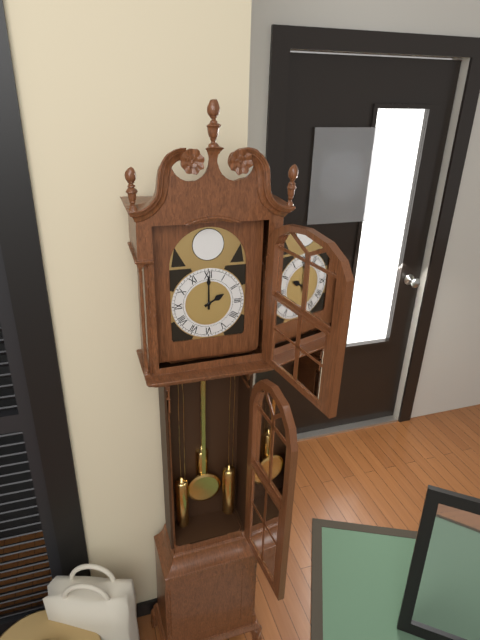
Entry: h=2 m=0
